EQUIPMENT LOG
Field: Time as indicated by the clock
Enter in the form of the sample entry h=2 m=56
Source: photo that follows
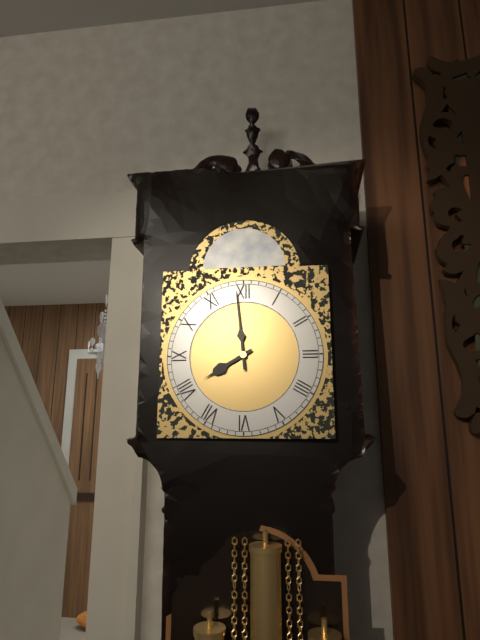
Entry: h=7 m=59
